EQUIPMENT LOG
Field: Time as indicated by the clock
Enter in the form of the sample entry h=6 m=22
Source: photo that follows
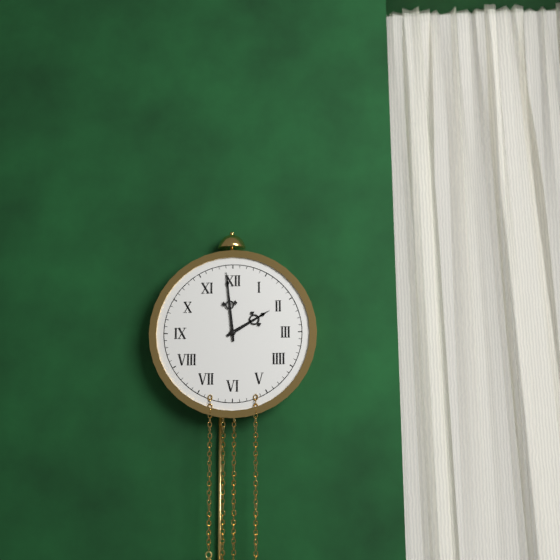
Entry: h=1 m=59
